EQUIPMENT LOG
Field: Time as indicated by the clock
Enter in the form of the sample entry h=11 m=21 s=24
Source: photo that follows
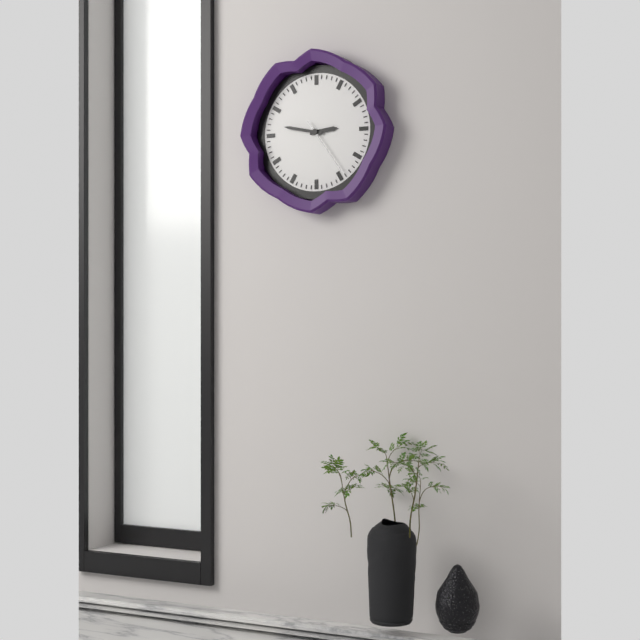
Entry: h=2 m=47 s=24
